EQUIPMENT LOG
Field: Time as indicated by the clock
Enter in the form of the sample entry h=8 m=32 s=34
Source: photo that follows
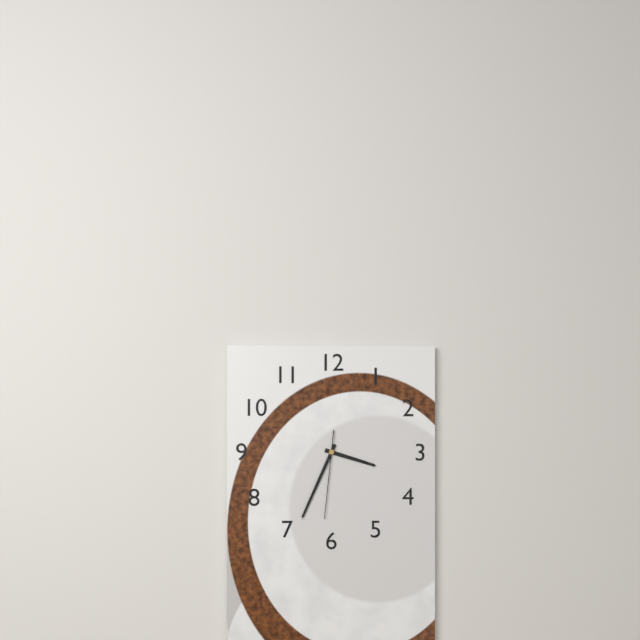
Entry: h=3 m=34 s=31
